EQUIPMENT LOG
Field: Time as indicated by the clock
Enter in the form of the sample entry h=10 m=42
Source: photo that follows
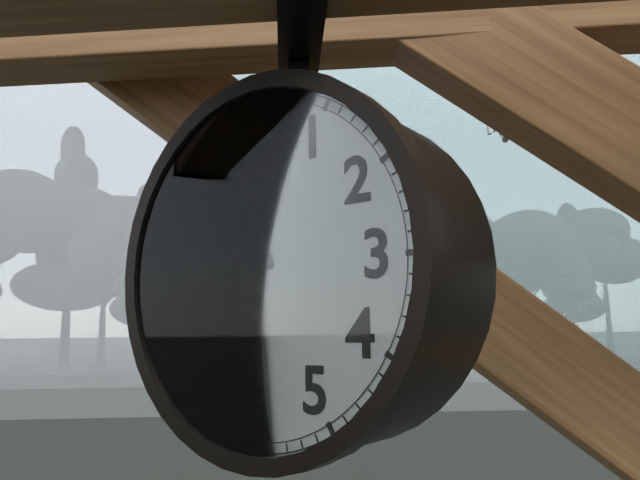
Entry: h=8 m=29
